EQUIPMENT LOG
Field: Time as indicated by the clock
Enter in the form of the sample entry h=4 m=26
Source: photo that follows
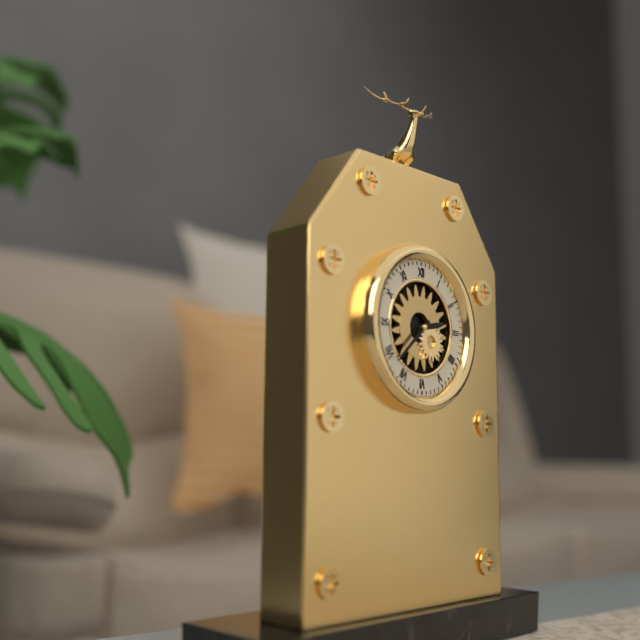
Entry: h=2 m=38
